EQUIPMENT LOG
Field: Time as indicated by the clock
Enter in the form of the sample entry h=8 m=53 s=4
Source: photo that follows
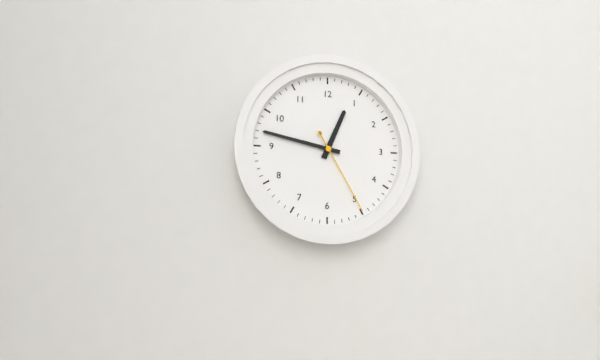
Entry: h=12 m=47 s=25
